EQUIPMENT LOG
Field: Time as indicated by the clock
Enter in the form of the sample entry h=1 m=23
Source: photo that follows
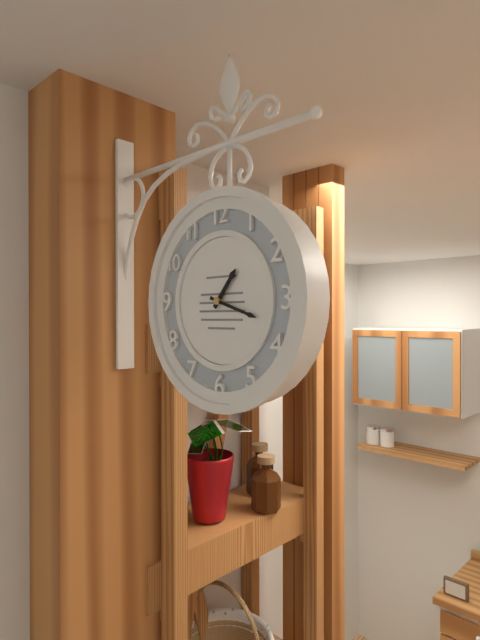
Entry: h=1 m=18
